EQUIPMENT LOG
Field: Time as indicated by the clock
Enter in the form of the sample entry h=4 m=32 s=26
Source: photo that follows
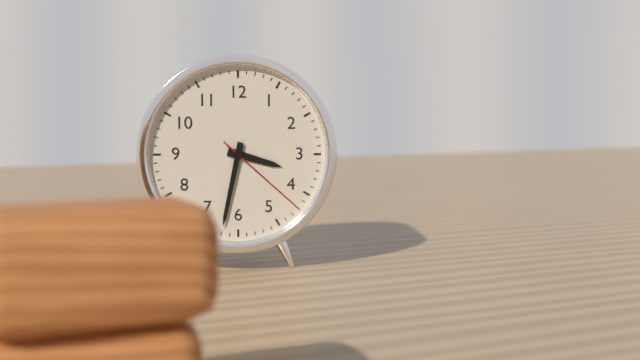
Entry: h=3 m=32 s=22
